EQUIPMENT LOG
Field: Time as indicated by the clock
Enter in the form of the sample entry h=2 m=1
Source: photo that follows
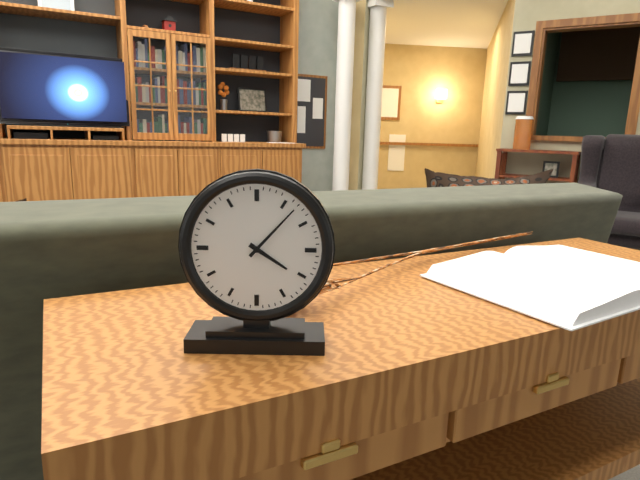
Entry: h=4 m=7
